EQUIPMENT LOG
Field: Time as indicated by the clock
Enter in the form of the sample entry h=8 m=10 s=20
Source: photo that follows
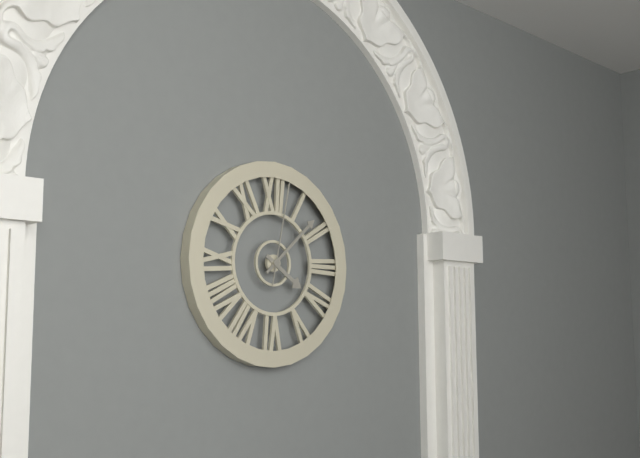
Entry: h=4 m=8 s=2
